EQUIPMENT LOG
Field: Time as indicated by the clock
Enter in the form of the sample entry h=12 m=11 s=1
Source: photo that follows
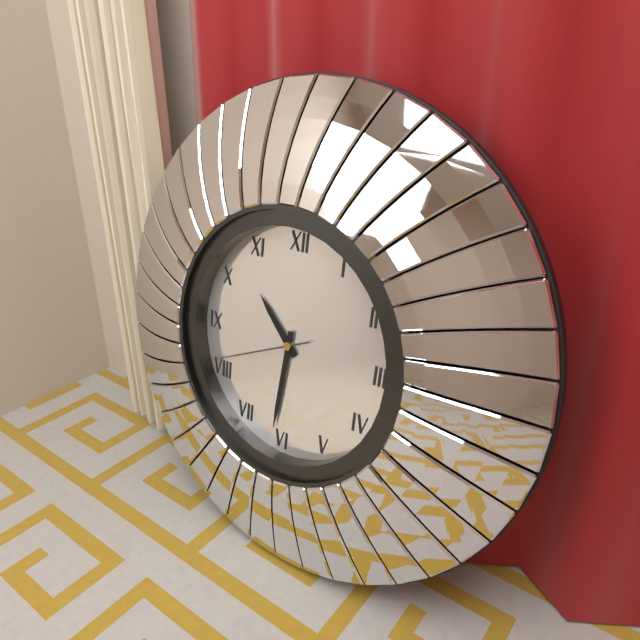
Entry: h=10 m=31 s=41
